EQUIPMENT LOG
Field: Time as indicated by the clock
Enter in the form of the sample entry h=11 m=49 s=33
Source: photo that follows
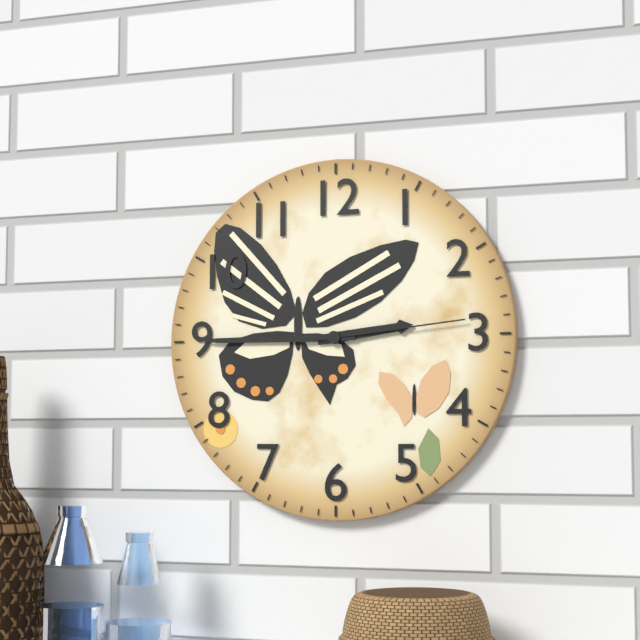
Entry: h=2 m=45 s=14
